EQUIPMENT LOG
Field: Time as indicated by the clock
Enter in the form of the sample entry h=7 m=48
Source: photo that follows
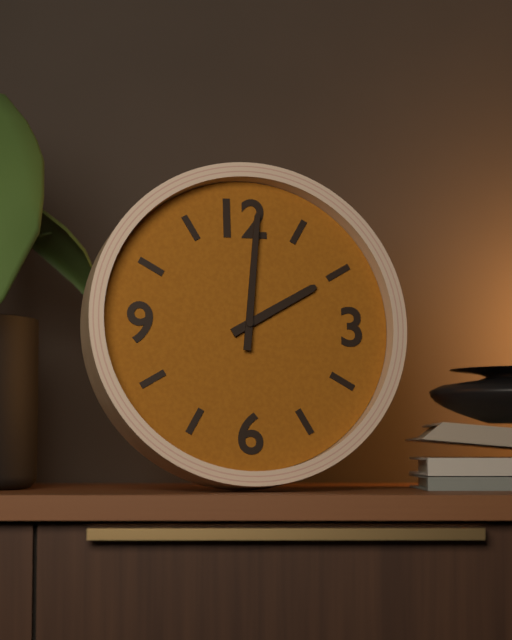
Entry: h=2 m=1
